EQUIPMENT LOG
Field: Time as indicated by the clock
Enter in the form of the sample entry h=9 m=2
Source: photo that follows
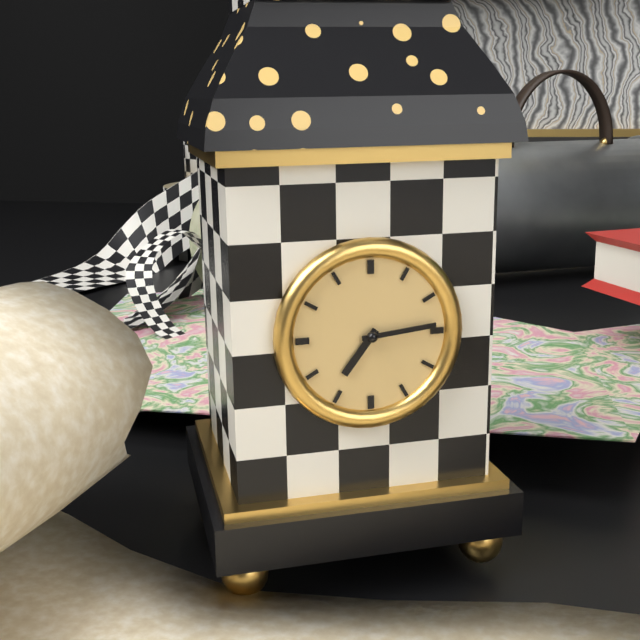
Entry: h=7 m=14
